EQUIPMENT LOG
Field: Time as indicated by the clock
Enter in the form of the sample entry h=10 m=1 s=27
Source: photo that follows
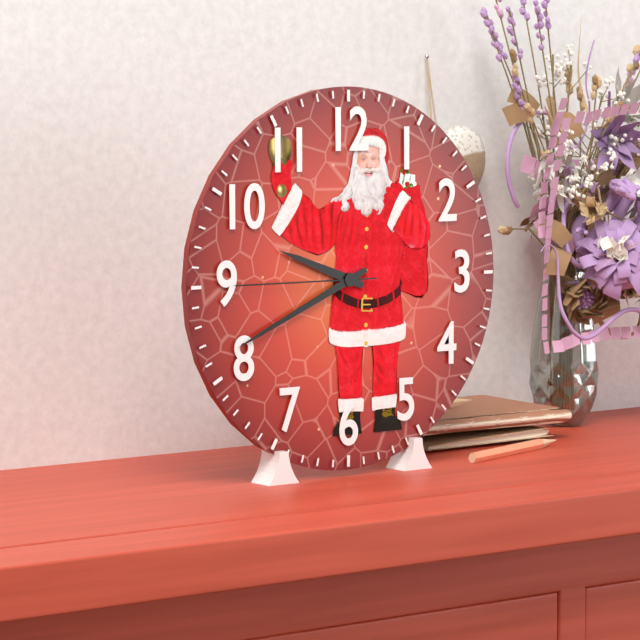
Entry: h=9 m=41 s=45
